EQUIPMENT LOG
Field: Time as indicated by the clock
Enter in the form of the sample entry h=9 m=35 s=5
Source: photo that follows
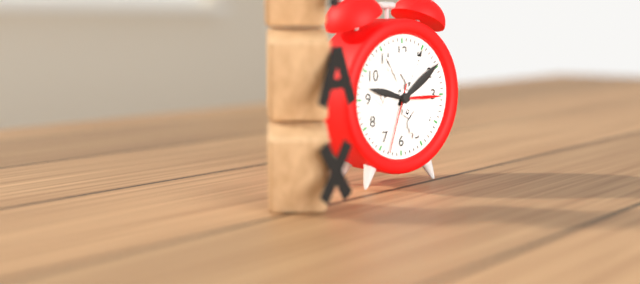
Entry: h=5 m=5 s=33
